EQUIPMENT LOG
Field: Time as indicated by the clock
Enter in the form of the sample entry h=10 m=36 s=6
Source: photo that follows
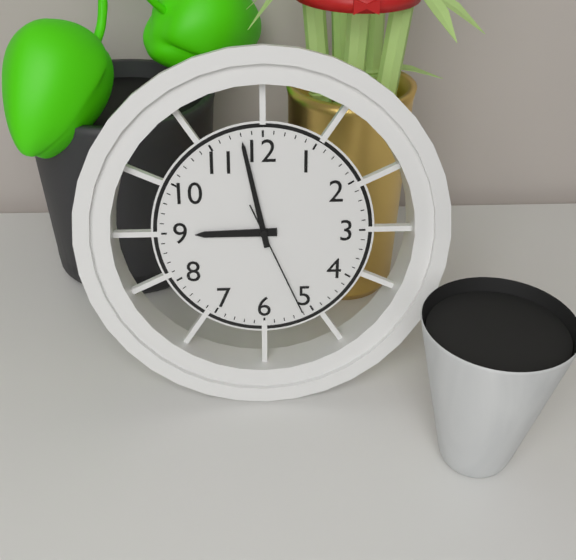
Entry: h=8 m=58 s=26
